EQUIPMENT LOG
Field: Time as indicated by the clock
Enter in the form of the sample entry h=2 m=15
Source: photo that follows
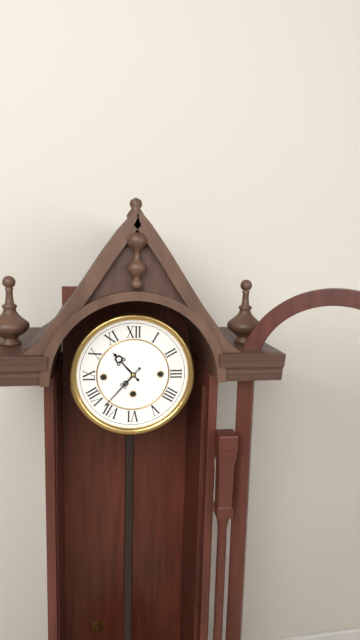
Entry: h=10 m=37
